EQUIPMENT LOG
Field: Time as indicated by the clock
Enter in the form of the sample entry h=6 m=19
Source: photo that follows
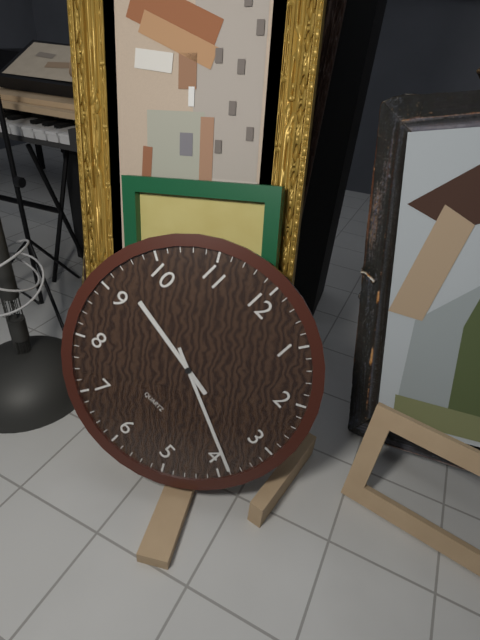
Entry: h=9 m=19
